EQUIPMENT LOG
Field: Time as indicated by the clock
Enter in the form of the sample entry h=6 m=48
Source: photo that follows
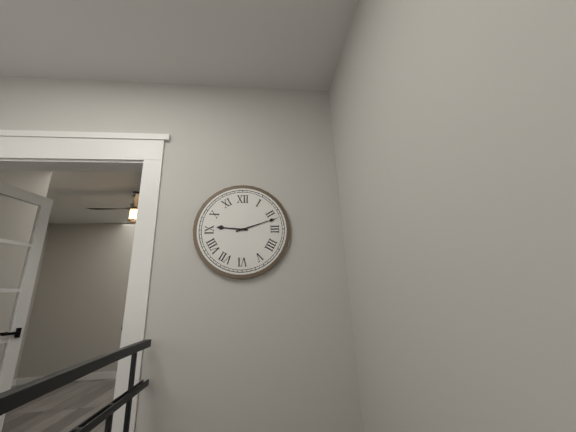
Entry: h=9 m=12
